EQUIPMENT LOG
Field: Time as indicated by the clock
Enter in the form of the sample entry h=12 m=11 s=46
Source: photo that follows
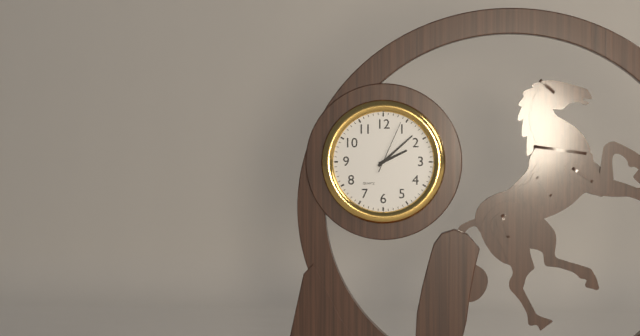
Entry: h=2 m=8 s=4
